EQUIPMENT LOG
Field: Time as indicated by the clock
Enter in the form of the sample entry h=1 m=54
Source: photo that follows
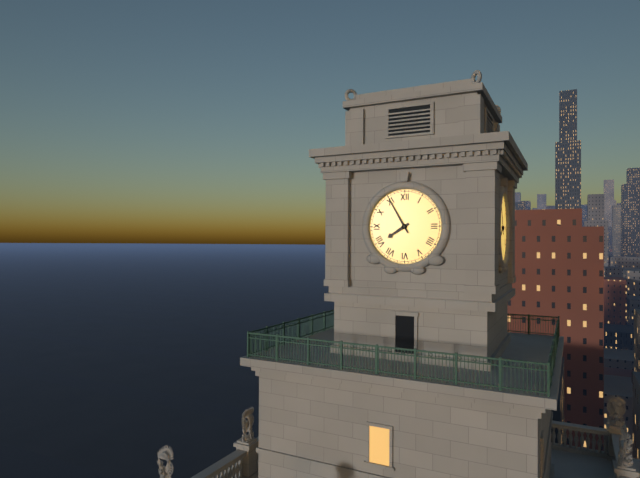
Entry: h=7 m=55
